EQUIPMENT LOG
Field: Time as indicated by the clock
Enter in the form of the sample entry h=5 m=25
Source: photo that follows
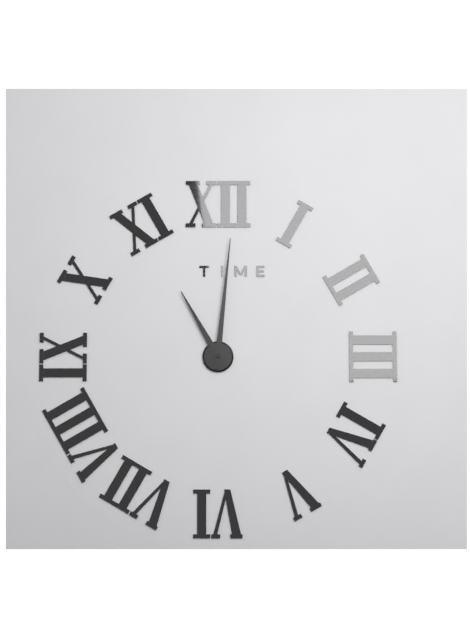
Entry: h=11 m=1
